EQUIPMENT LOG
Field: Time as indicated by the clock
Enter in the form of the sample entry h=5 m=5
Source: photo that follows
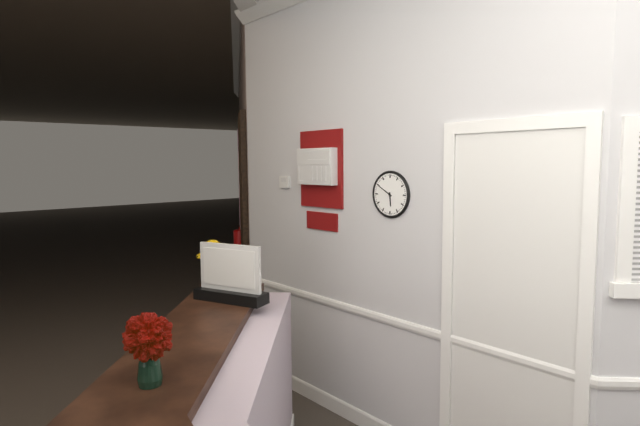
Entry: h=5 m=50
